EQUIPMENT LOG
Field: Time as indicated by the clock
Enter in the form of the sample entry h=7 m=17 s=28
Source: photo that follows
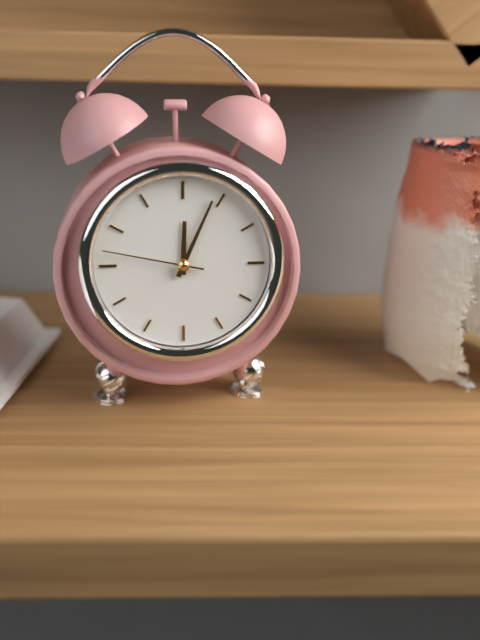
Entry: h=12 m=4 s=47
